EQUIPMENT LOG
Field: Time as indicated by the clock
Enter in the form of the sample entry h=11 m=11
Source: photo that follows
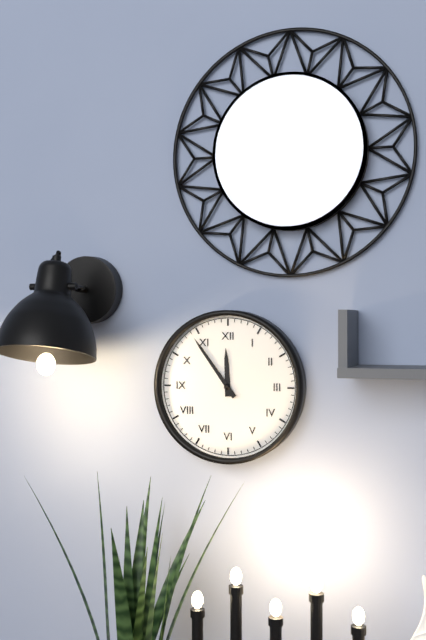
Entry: h=11 m=54
